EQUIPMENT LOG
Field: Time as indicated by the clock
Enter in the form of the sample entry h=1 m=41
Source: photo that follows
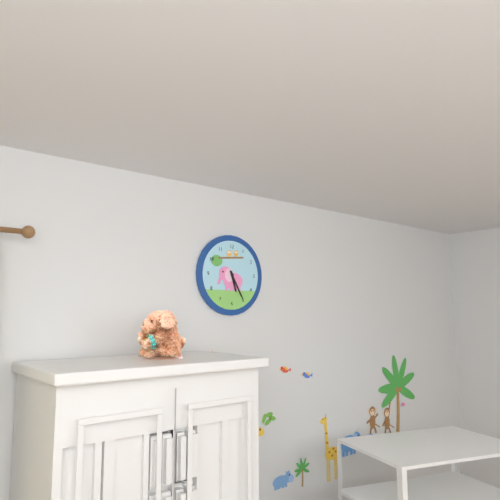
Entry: h=5 m=25
